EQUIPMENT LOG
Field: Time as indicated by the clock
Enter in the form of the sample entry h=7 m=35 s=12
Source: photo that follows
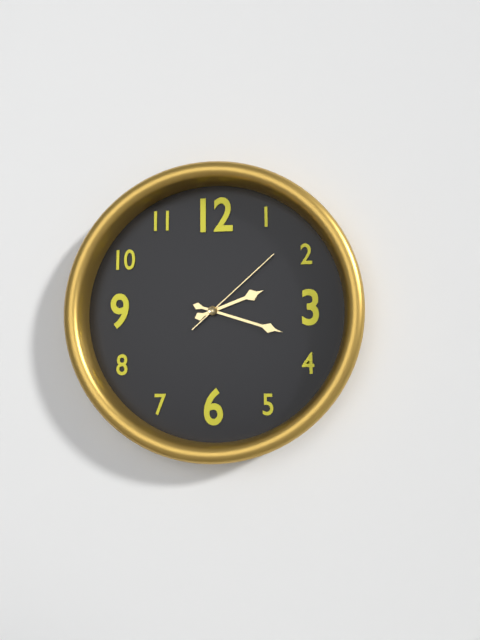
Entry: h=2 m=18 s=8
